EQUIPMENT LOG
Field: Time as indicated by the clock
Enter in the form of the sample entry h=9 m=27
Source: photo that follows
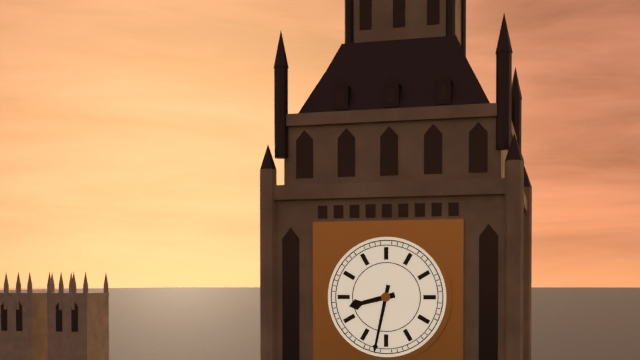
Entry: h=8 m=32
